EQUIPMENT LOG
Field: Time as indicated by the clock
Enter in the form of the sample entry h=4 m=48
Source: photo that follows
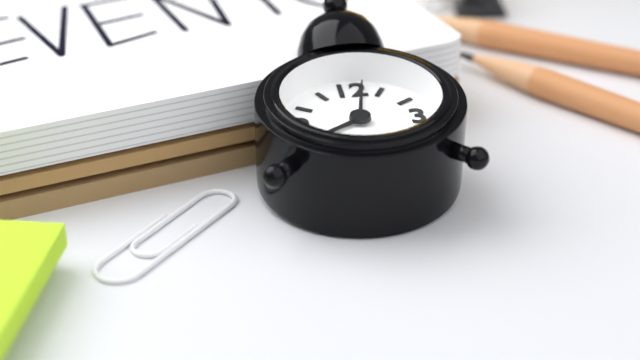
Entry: h=8 m=2
